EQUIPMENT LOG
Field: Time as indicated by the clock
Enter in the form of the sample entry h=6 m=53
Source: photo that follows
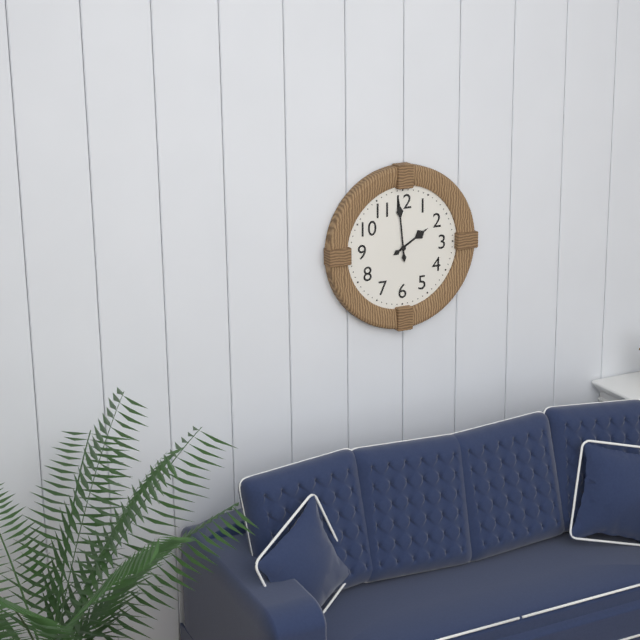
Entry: h=1 m=59
